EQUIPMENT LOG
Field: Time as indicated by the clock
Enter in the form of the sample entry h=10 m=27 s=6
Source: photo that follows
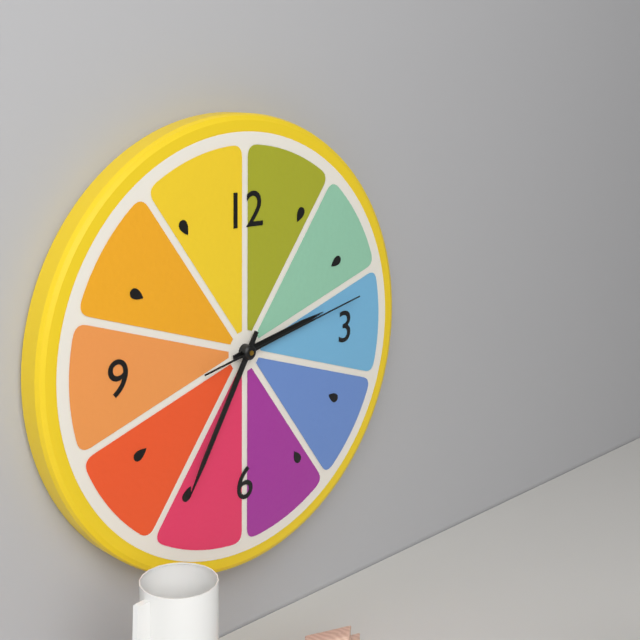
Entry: h=2 m=35 s=13
